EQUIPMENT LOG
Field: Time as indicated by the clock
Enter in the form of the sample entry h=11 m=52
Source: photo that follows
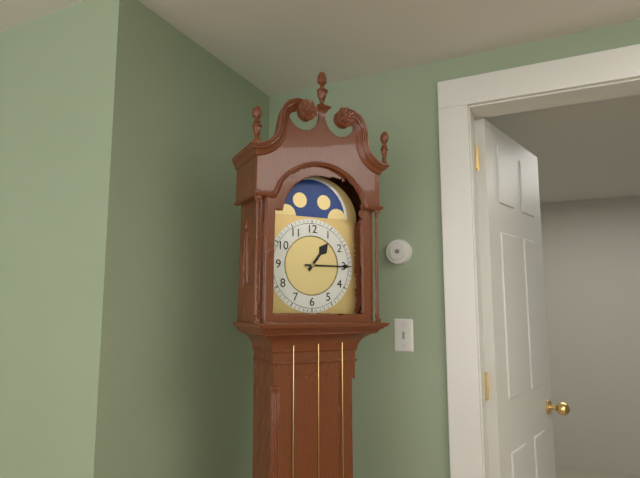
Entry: h=1 m=15
